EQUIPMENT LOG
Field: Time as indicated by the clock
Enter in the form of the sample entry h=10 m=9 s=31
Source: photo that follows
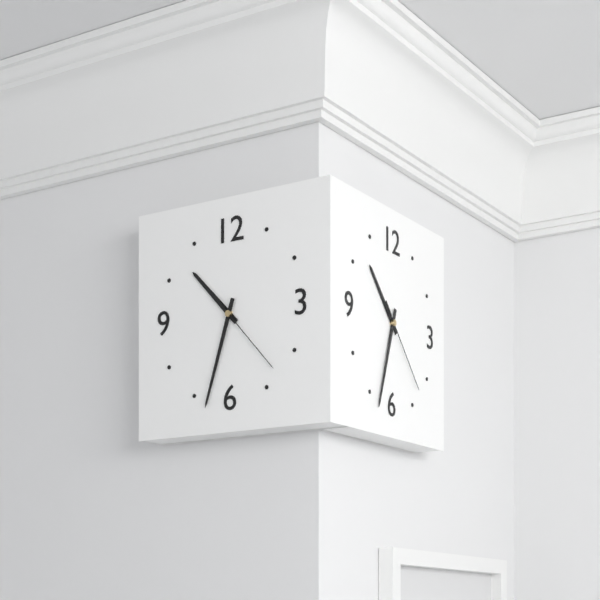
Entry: h=10 m=33 s=23
